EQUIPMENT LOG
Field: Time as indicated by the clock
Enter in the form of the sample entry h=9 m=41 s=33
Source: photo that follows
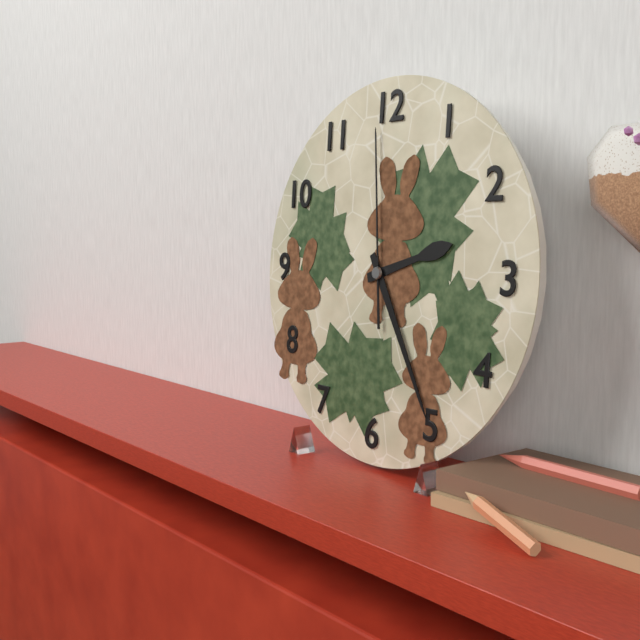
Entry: h=2 m=25 s=59
